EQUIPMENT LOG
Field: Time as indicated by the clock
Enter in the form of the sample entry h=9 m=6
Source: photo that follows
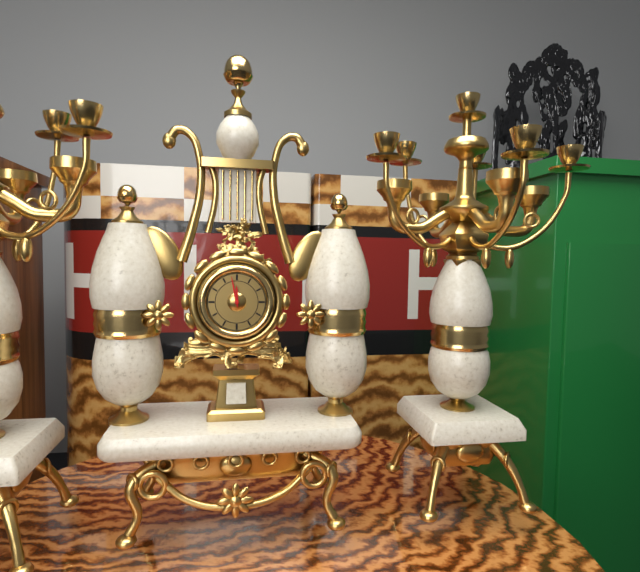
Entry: h=11 m=58
